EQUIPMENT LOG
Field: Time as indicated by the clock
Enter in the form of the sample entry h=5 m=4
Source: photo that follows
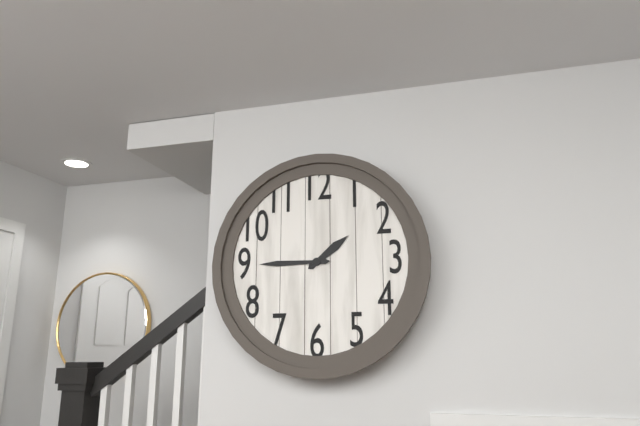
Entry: h=1 m=45
